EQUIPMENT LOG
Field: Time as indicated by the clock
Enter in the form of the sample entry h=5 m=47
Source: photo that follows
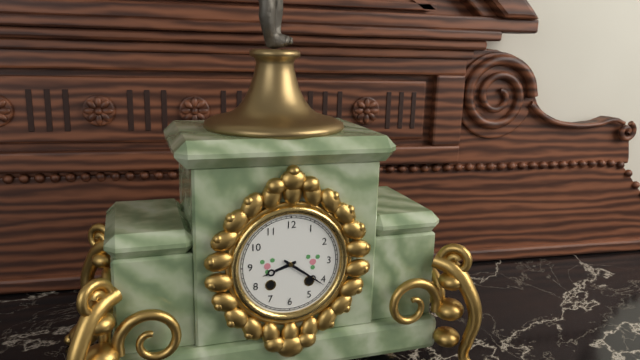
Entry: h=8 m=21
